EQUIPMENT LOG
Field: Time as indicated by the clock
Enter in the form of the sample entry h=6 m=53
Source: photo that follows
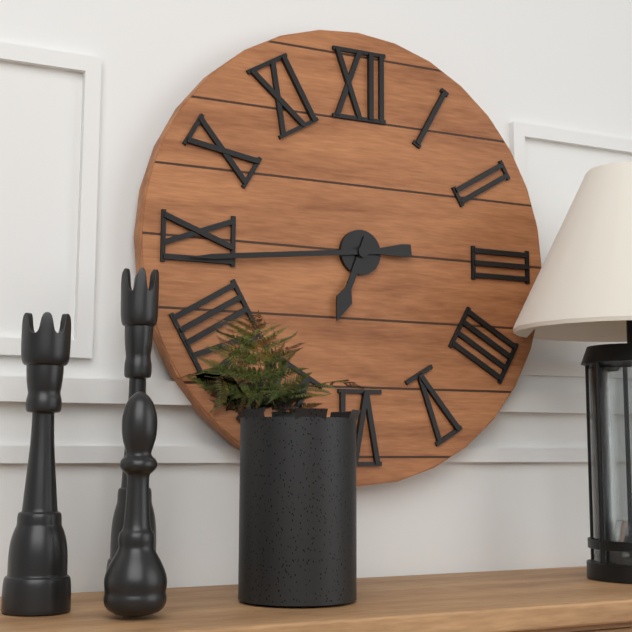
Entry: h=6 m=44
